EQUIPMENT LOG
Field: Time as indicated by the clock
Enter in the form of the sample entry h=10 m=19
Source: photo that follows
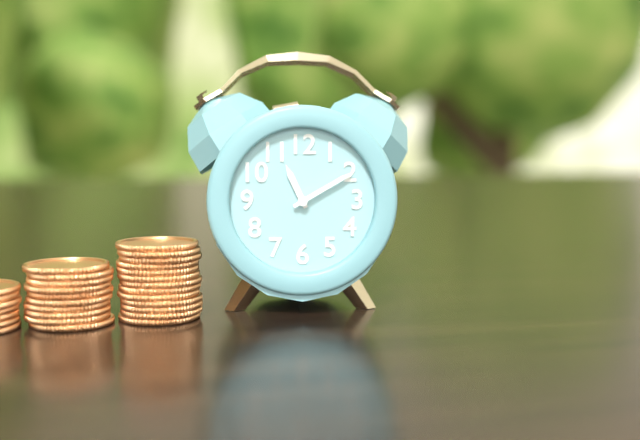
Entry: h=11 m=10
